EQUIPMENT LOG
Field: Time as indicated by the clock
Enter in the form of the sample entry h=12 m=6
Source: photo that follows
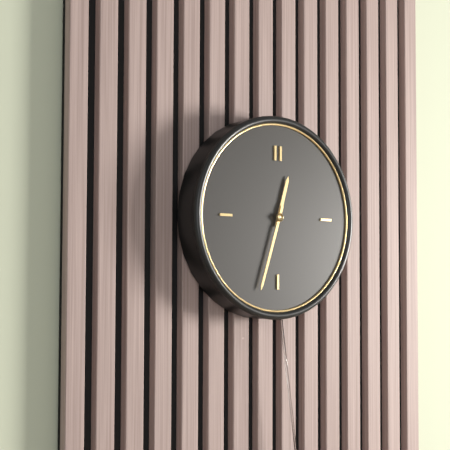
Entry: h=12 m=33
